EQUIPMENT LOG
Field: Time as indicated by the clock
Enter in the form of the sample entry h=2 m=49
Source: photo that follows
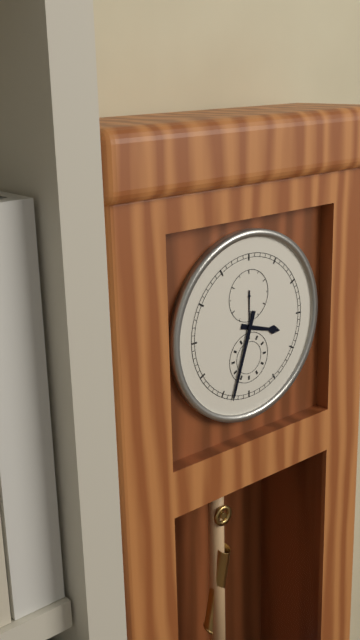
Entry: h=3 m=33
